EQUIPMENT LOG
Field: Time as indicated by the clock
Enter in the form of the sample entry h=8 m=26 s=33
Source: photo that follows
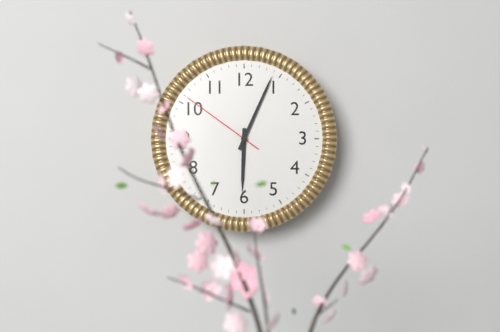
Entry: h=6 m=4 s=51
